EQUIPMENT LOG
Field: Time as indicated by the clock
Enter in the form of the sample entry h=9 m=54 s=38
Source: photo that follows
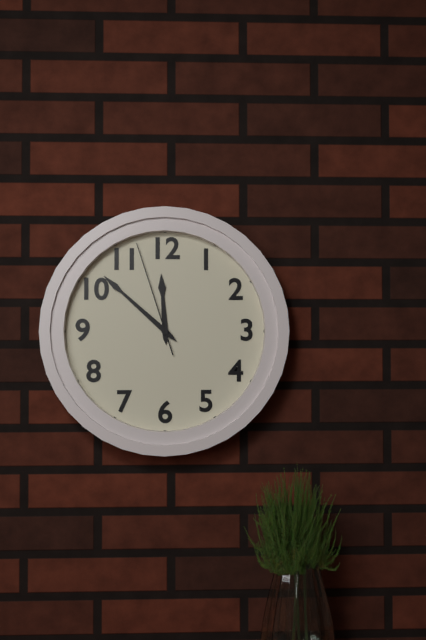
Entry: h=11 m=52 s=57
